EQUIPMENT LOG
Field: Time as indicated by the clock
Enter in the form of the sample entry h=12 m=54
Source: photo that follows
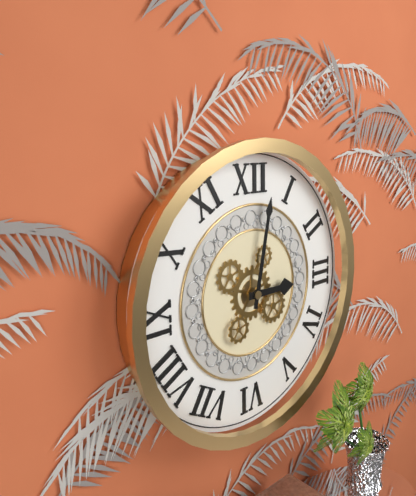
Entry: h=3 m=2
